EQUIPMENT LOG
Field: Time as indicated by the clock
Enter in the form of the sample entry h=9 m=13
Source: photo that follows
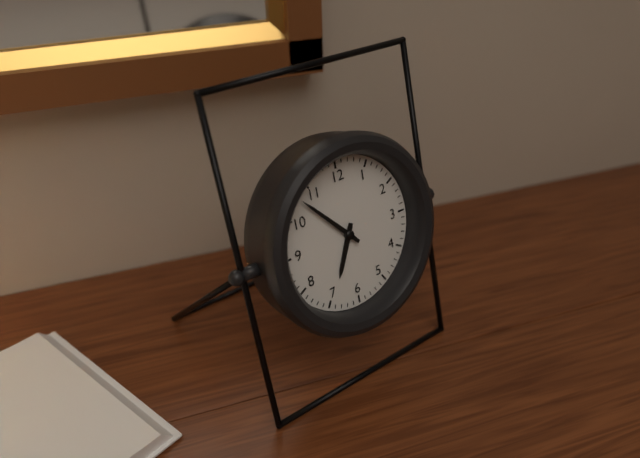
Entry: h=6 m=53
